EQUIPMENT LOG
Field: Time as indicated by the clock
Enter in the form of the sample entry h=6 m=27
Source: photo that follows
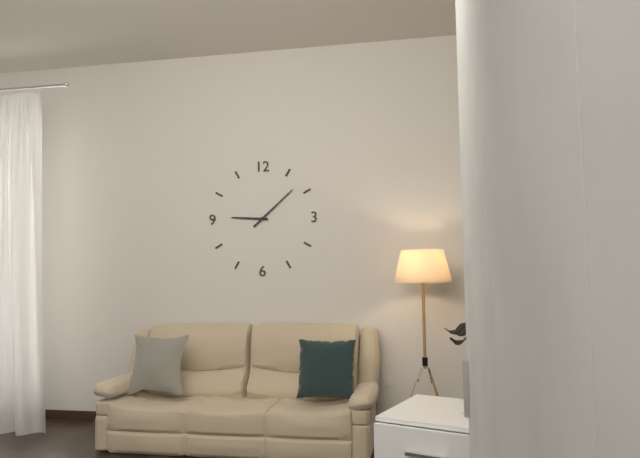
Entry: h=9 m=8
